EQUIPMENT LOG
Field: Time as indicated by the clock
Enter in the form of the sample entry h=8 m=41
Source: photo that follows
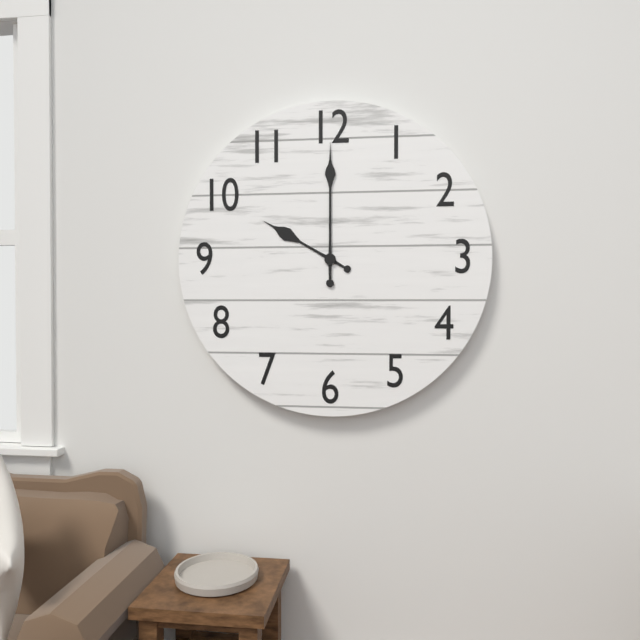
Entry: h=10 m=0
